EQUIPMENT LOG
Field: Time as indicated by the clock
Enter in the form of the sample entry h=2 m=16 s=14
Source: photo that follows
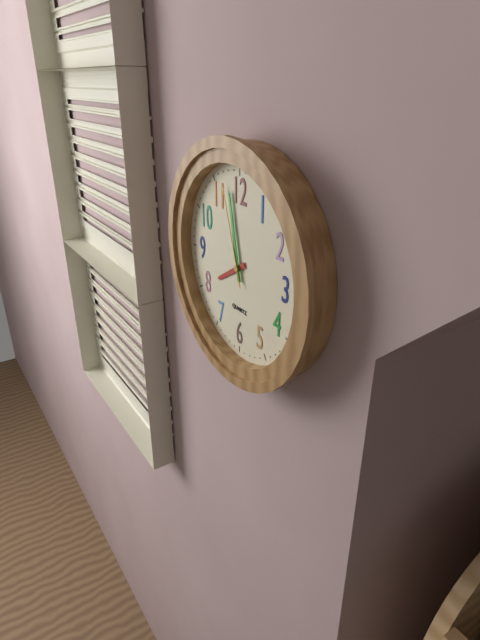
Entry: h=7 m=58 s=57
